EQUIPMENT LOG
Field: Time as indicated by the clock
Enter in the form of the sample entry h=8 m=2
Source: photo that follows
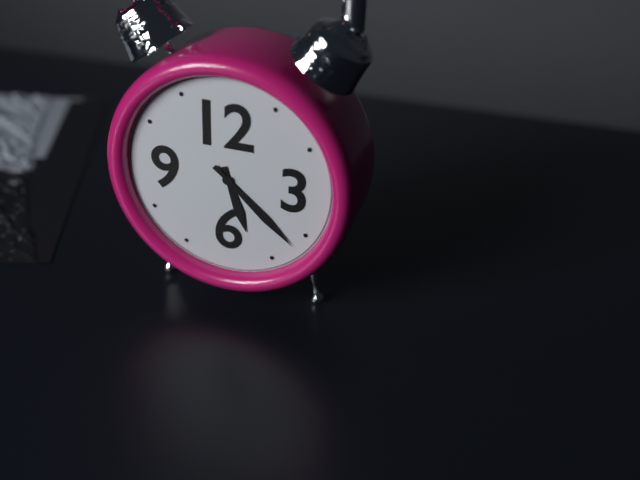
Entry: h=5 m=22
